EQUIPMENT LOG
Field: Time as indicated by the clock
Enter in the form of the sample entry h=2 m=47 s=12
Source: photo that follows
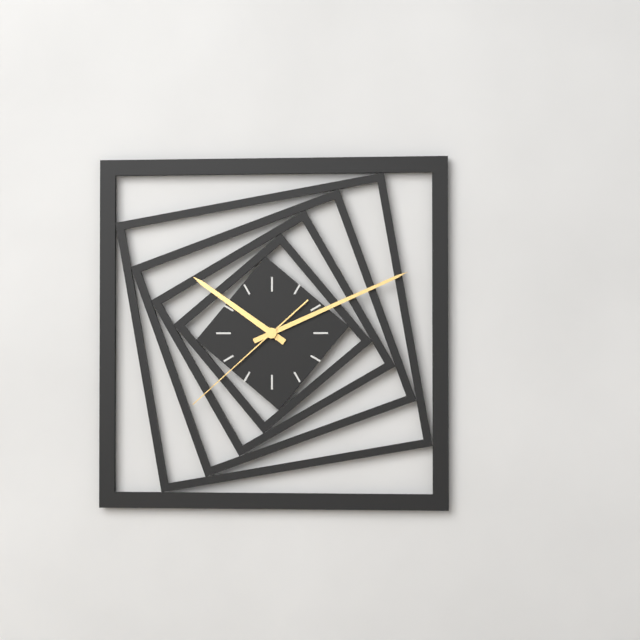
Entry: h=10 m=11 s=38
